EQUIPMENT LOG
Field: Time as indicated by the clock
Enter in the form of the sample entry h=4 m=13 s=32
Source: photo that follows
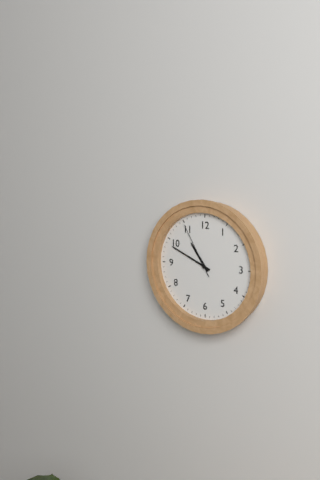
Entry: h=10 m=49 s=55
